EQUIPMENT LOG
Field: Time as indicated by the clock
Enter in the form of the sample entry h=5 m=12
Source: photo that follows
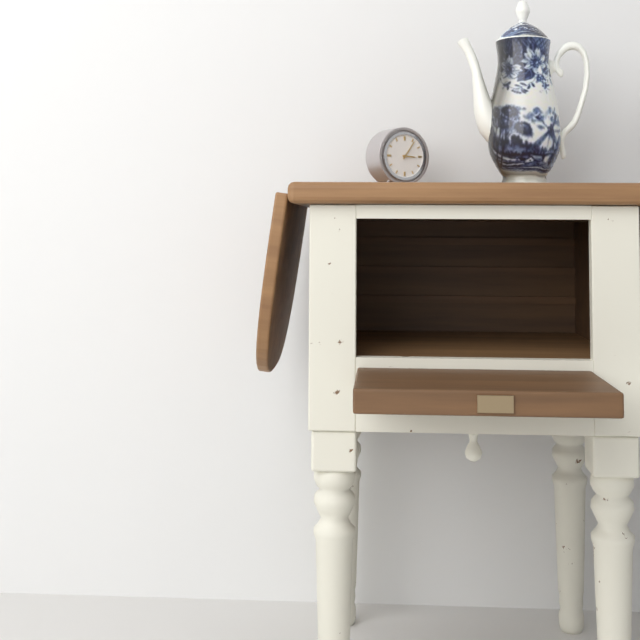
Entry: h=3 m=6
